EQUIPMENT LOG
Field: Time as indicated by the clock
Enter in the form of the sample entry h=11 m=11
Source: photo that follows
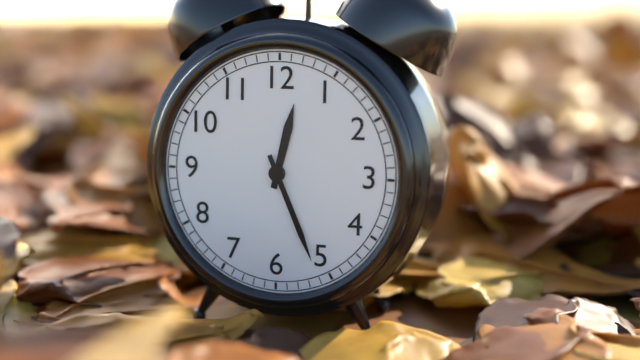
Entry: h=12 m=26
